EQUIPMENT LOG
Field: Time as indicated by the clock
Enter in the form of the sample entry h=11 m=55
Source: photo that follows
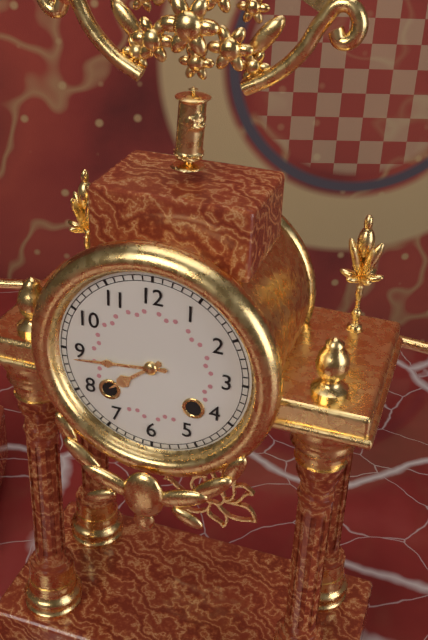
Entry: h=7 m=44
